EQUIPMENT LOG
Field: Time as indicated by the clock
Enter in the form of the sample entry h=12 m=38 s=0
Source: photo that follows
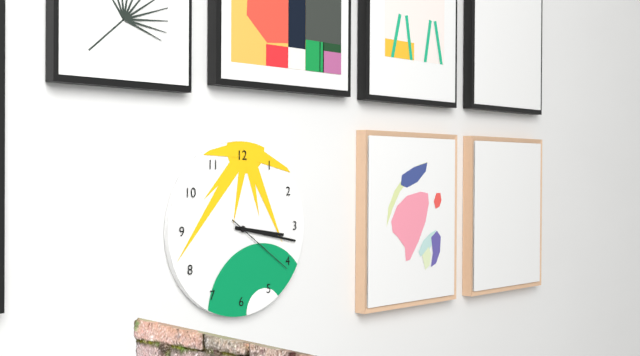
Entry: h=3 m=17 s=21
